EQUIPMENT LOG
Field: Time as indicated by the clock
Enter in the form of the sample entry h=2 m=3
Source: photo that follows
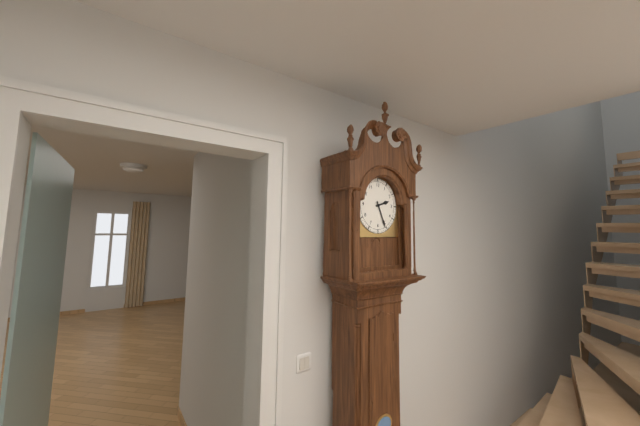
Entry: h=2 m=26
